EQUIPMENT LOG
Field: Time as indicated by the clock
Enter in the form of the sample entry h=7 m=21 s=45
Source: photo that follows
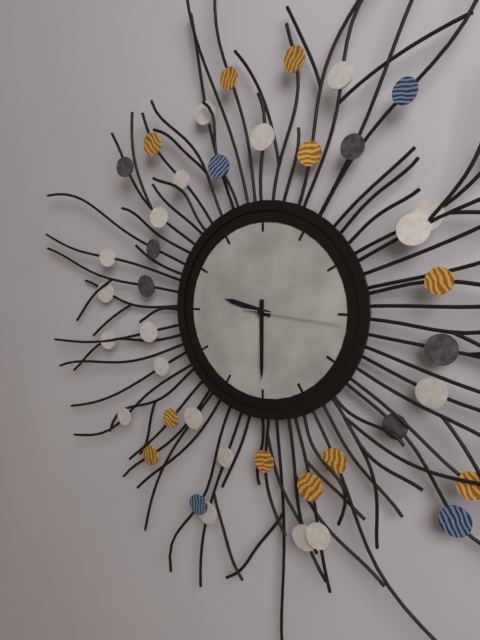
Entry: h=9 m=30 s=16
